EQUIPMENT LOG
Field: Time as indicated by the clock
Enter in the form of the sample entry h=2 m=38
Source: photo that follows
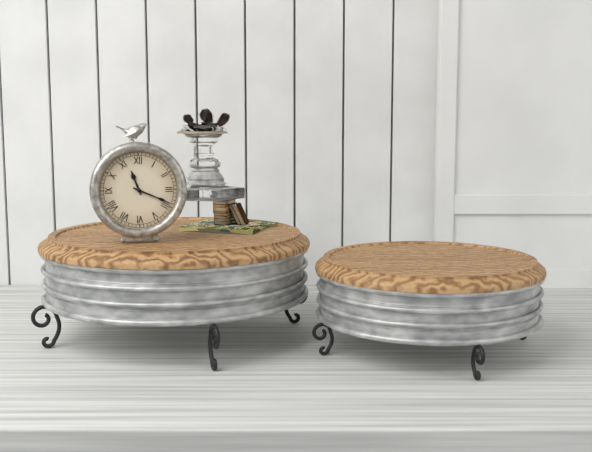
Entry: h=11 m=19
